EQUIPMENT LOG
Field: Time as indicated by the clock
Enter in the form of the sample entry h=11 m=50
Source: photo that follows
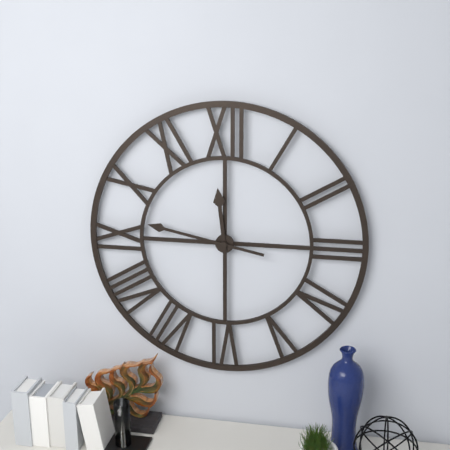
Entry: h=11 m=47
